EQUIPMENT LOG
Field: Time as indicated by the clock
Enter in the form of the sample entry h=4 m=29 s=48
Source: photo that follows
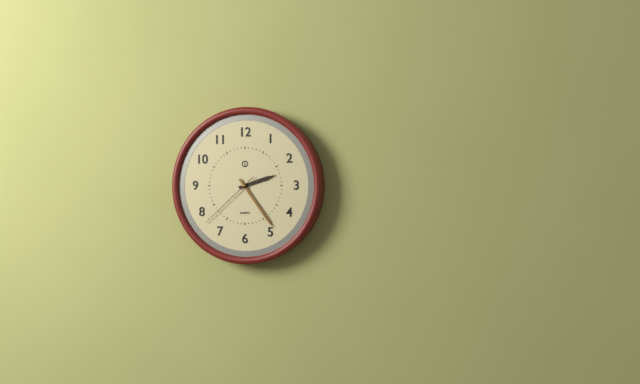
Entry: h=2 m=24 s=38
